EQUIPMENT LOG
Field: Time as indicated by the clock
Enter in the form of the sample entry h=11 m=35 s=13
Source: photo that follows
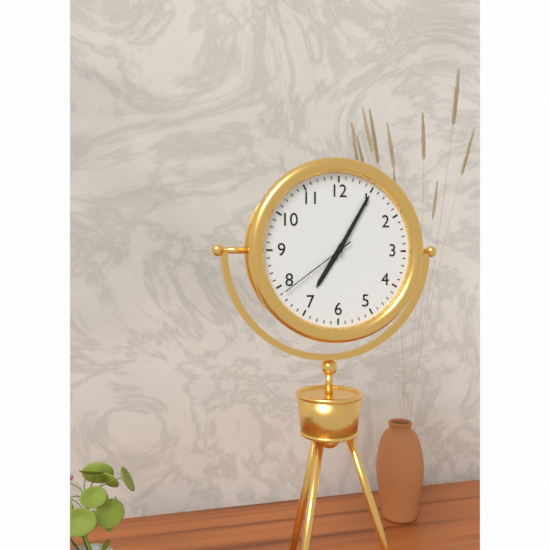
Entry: h=7 m=5 s=39
